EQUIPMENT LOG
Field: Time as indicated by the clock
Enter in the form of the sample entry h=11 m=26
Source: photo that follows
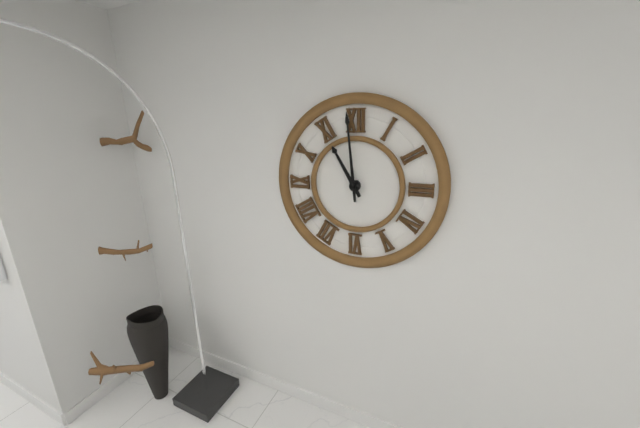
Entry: h=10 m=59
